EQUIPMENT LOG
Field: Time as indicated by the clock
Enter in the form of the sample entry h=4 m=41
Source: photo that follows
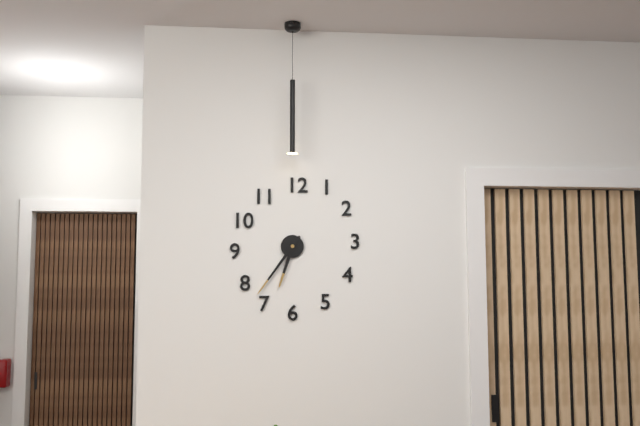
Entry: h=6 m=36
